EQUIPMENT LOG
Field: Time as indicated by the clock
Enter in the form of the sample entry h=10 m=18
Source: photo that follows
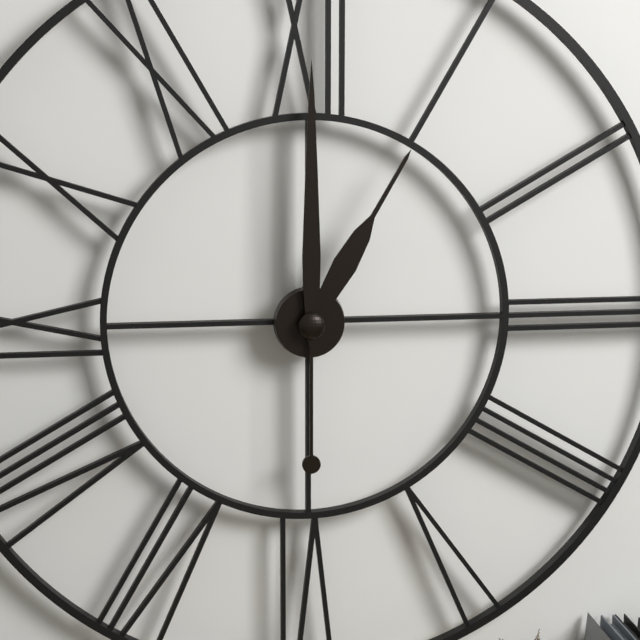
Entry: h=1 m=0
